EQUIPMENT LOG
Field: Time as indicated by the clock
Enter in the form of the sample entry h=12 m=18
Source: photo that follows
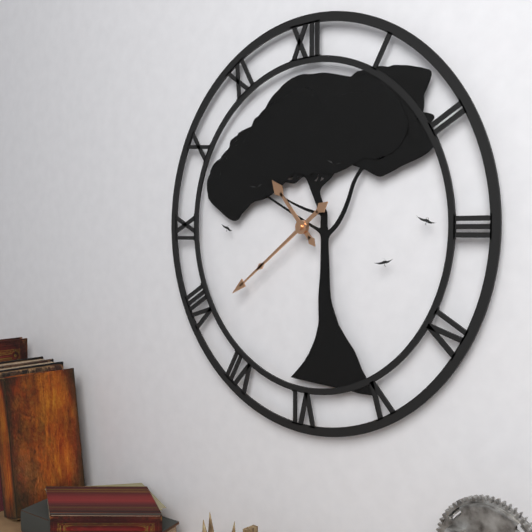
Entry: h=10 m=39
